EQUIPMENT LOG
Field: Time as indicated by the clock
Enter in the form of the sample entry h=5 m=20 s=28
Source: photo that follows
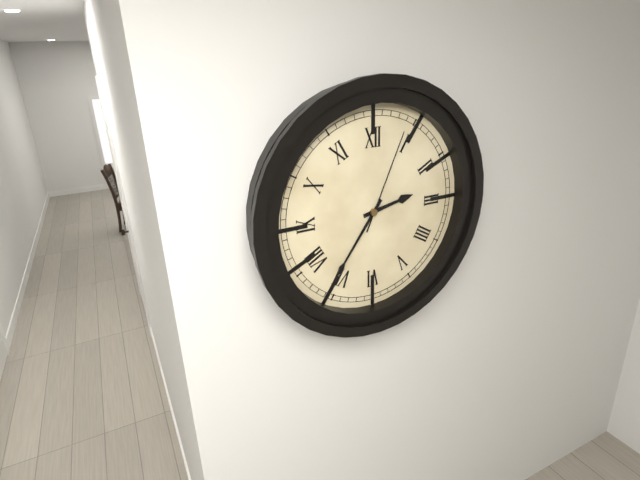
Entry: h=2 m=36 s=4
